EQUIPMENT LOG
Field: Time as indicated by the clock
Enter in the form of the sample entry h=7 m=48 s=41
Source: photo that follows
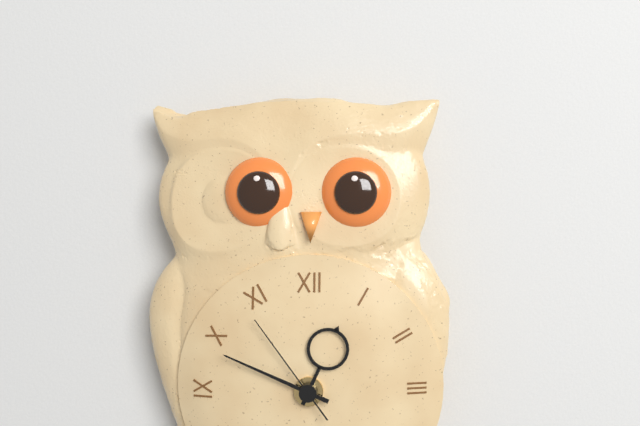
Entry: h=12 m=49 s=54
